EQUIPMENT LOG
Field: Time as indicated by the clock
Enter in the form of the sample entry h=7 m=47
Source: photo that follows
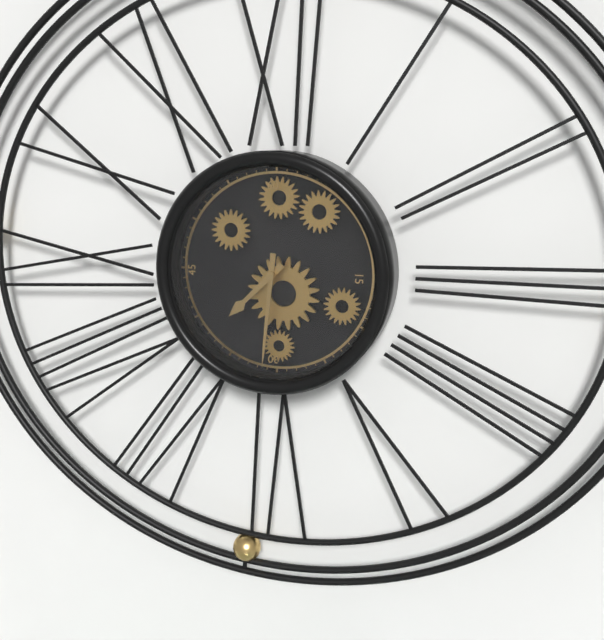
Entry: h=7 m=31
